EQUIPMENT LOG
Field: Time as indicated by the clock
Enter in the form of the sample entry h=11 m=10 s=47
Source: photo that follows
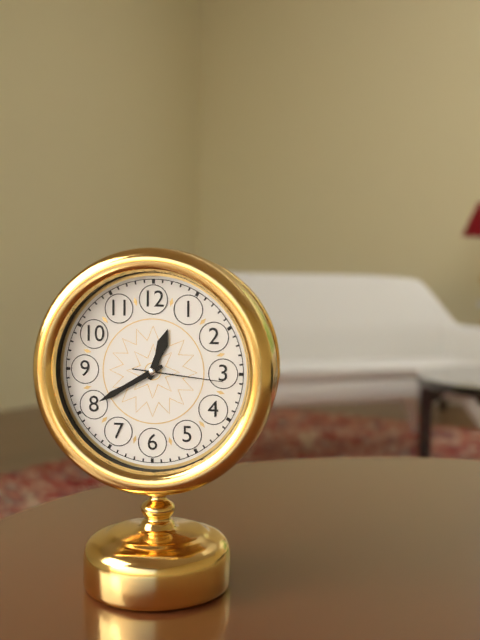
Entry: h=12 m=40 s=16
